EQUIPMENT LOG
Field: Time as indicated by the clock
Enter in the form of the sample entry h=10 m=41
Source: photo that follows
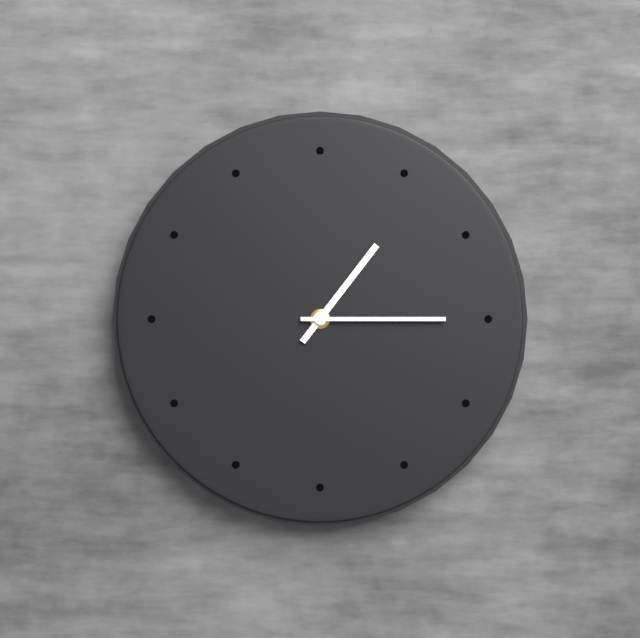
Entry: h=1 m=15
